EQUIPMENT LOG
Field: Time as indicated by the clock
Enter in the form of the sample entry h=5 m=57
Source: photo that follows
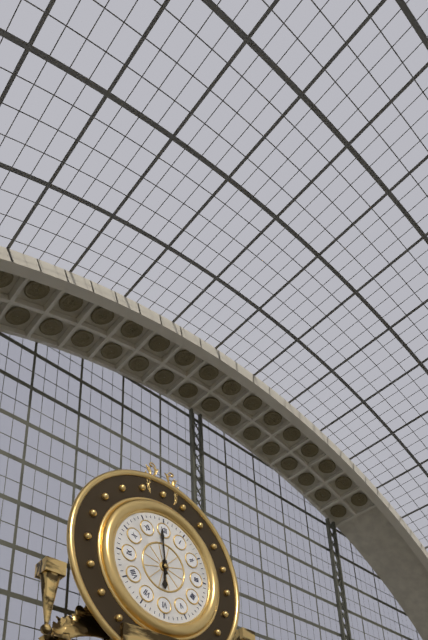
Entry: h=5 m=59
